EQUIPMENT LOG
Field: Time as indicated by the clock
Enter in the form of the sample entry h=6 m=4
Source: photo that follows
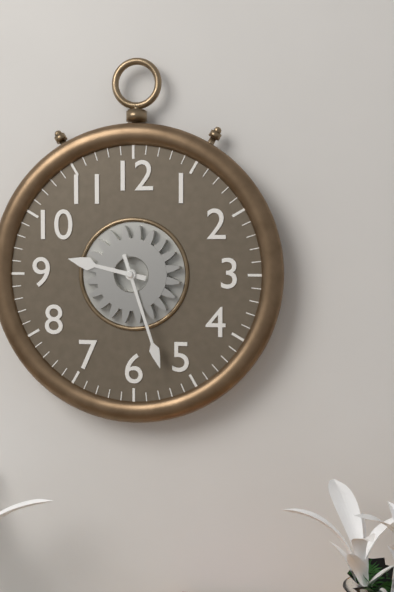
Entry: h=9 m=27
